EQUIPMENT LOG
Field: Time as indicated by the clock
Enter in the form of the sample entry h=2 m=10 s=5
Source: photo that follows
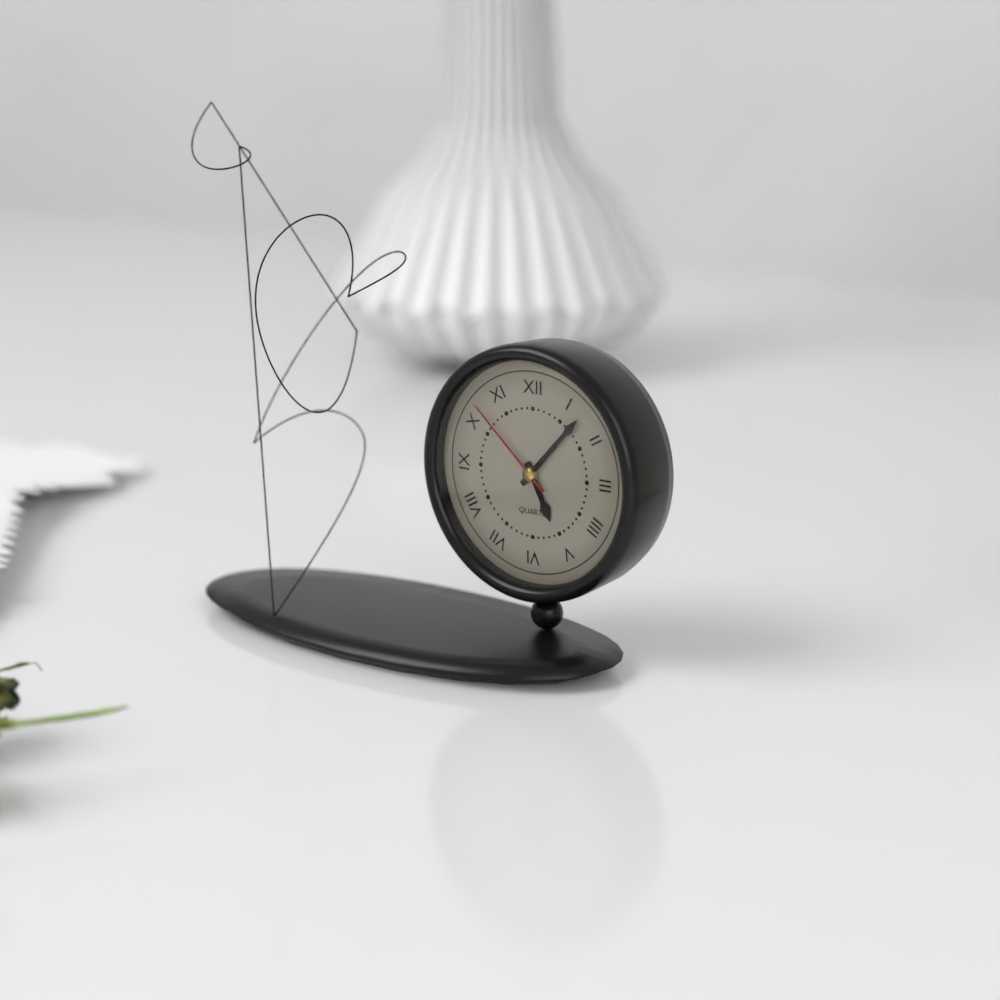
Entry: h=5 m=7 s=52
